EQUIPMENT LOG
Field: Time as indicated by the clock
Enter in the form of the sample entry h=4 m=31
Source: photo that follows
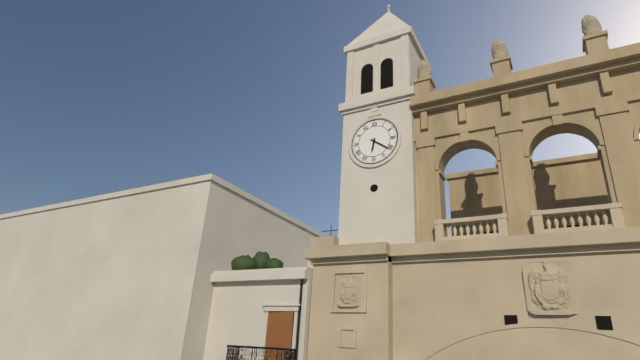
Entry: h=6 m=21
